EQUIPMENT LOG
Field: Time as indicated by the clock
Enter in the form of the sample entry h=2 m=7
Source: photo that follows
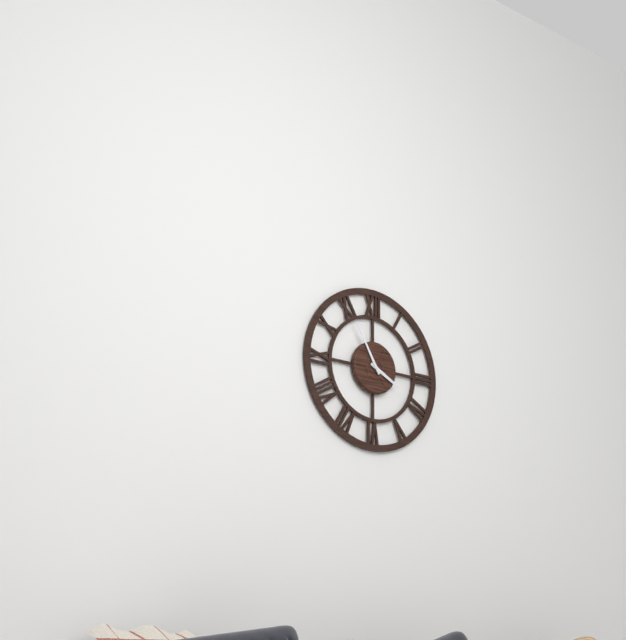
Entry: h=3 m=55
